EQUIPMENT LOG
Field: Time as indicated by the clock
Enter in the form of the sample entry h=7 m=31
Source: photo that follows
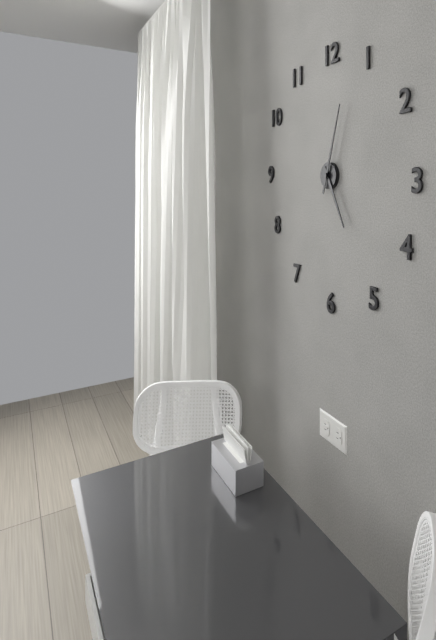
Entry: h=5 m=3
